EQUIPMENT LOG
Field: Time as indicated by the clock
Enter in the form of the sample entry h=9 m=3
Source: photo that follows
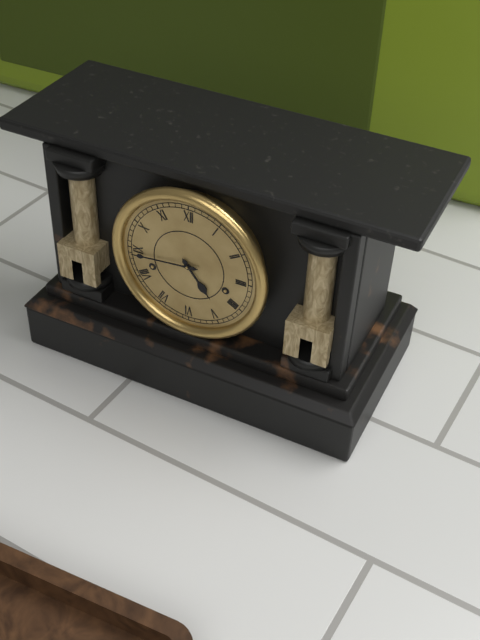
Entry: h=4 m=44
